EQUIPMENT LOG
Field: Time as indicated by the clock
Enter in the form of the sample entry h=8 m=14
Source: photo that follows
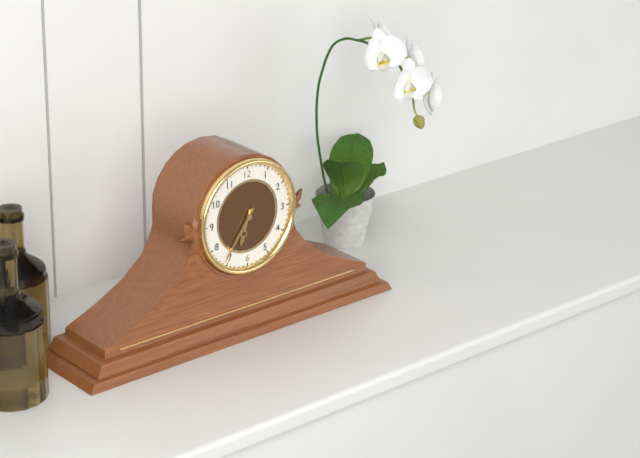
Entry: h=6 m=36
